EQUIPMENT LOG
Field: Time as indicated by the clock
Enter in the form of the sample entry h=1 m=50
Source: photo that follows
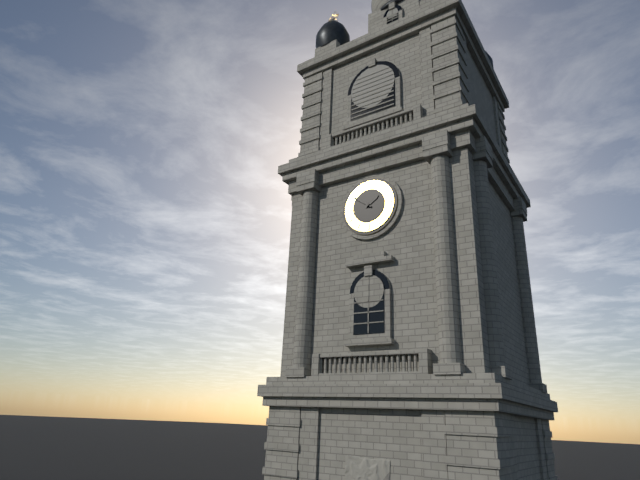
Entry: h=1 m=51
